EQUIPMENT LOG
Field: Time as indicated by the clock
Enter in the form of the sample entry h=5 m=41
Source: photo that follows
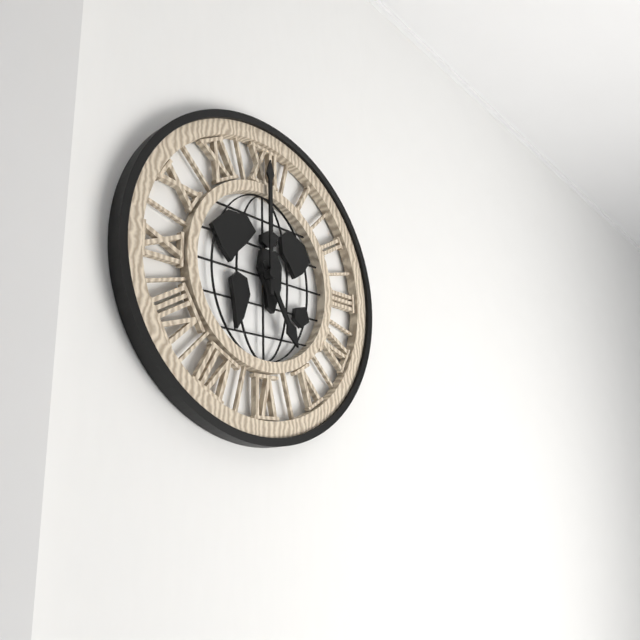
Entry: h=5 m=0
